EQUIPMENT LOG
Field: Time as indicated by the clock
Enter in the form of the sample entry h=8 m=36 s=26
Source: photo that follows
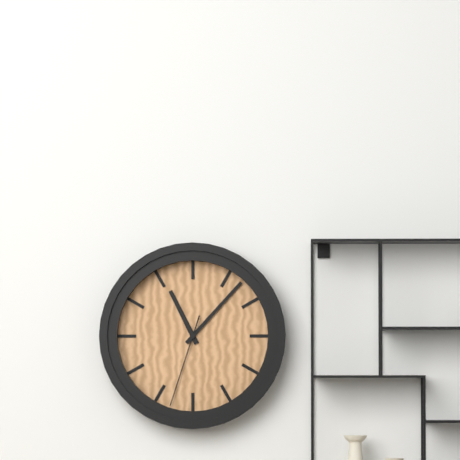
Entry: h=11 m=7 s=33
